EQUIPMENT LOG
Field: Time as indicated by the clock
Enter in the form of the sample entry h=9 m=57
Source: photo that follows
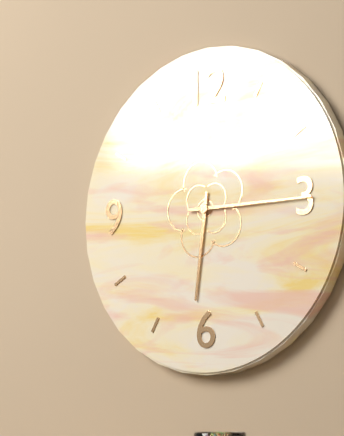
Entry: h=6 m=15
